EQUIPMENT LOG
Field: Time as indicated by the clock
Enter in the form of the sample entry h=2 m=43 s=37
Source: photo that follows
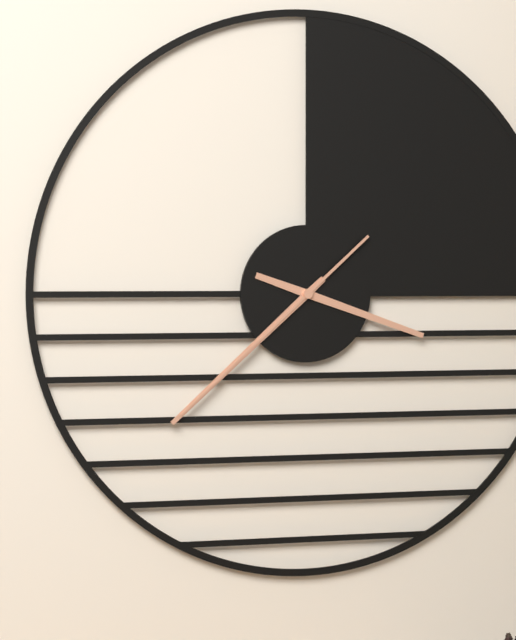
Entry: h=3 m=38 s=38
